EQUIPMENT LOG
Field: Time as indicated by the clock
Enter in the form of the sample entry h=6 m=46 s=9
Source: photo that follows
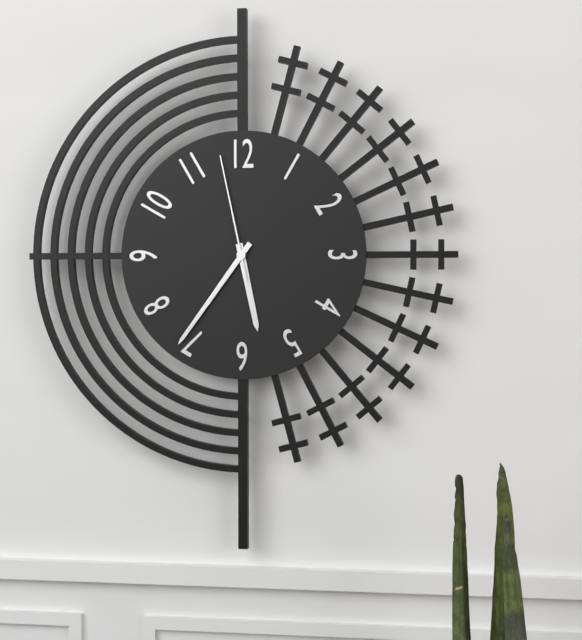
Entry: h=5 m=36 s=58
